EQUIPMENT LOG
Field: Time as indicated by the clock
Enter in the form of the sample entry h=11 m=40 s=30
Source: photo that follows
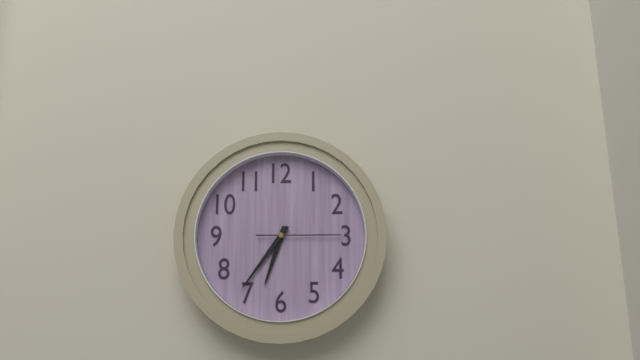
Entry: h=6 m=36 s=15
